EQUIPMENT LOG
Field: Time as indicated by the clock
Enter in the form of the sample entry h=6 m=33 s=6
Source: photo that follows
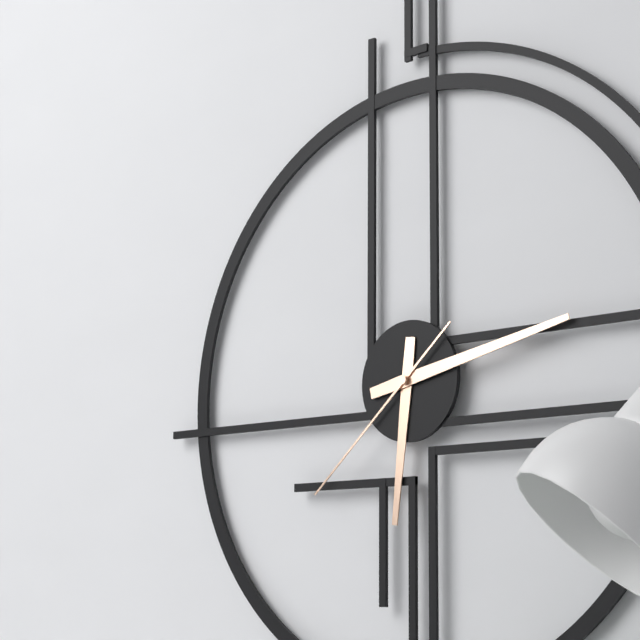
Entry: h=6 m=13 s=38
